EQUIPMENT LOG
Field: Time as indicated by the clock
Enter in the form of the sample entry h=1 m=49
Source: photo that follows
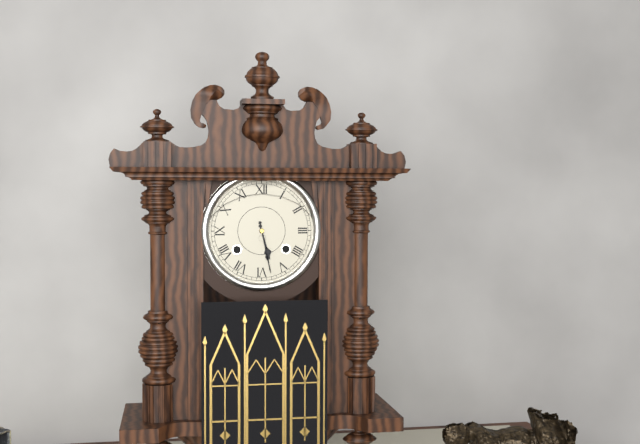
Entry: h=5 m=28
